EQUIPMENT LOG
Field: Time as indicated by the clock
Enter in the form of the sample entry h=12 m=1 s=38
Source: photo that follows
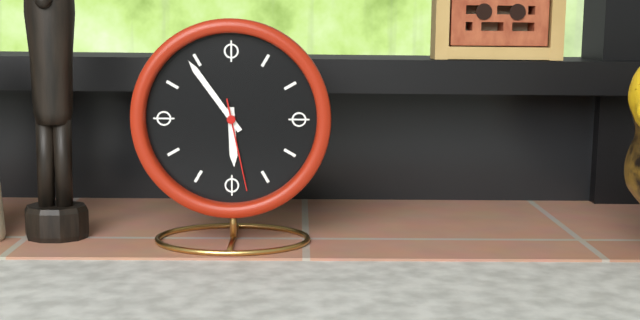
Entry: h=5 m=54 s=28
